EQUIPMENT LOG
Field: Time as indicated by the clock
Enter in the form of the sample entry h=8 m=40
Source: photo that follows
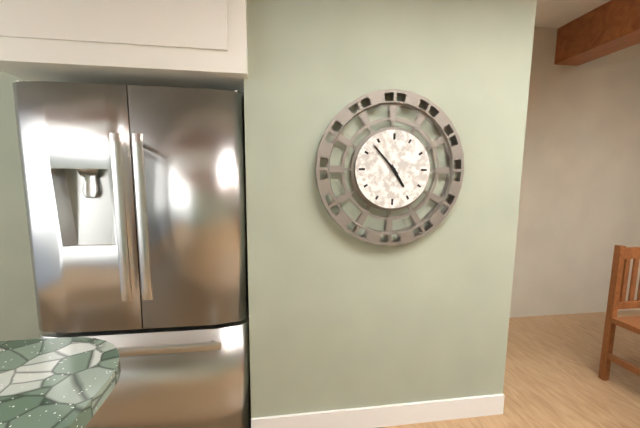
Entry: h=4 m=53
